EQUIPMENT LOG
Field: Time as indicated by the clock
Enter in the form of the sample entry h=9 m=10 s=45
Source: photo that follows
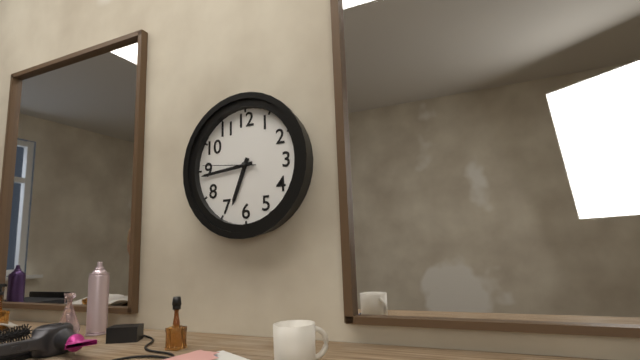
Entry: h=6 m=44 s=46
